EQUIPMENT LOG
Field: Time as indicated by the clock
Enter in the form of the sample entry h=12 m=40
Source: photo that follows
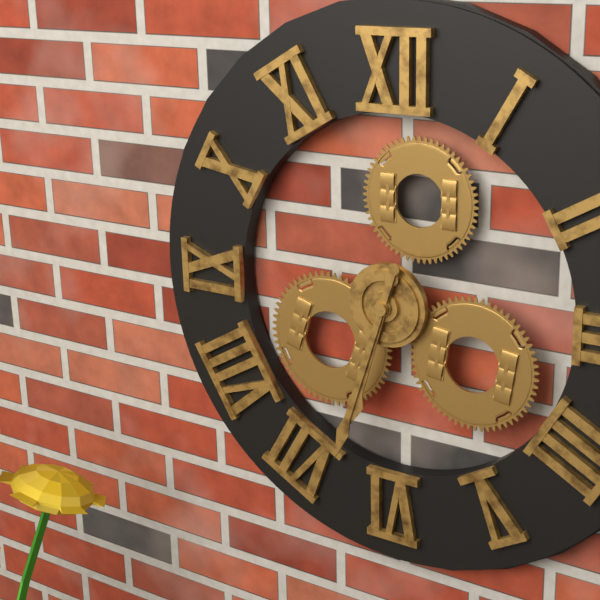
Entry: h=6 m=33
